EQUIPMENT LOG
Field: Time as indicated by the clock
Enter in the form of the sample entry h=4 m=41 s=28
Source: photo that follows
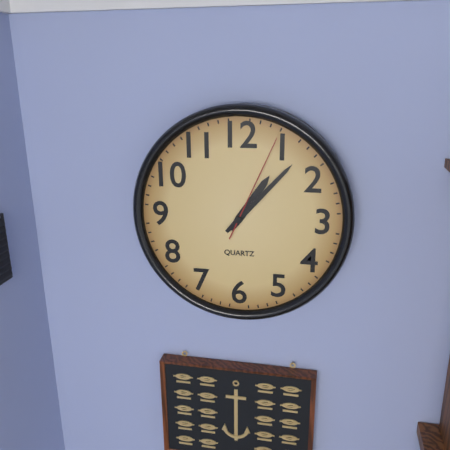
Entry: h=1 m=7 s=4
